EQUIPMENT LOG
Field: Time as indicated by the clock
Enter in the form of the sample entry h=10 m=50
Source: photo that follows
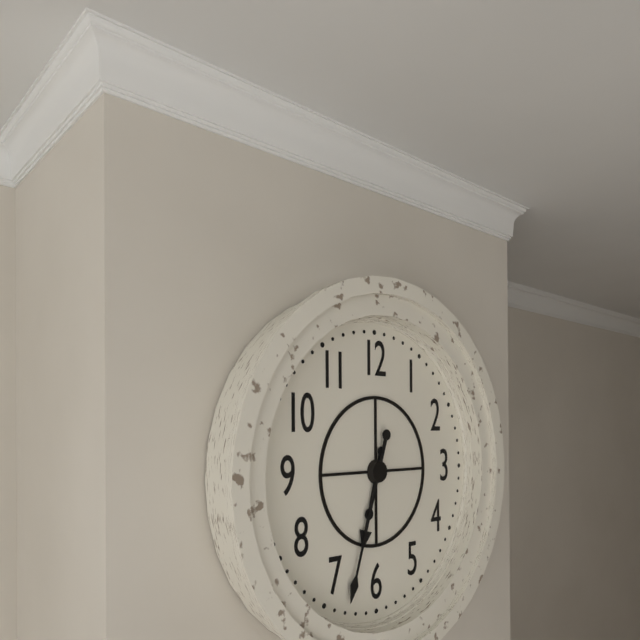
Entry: h=6 m=33
